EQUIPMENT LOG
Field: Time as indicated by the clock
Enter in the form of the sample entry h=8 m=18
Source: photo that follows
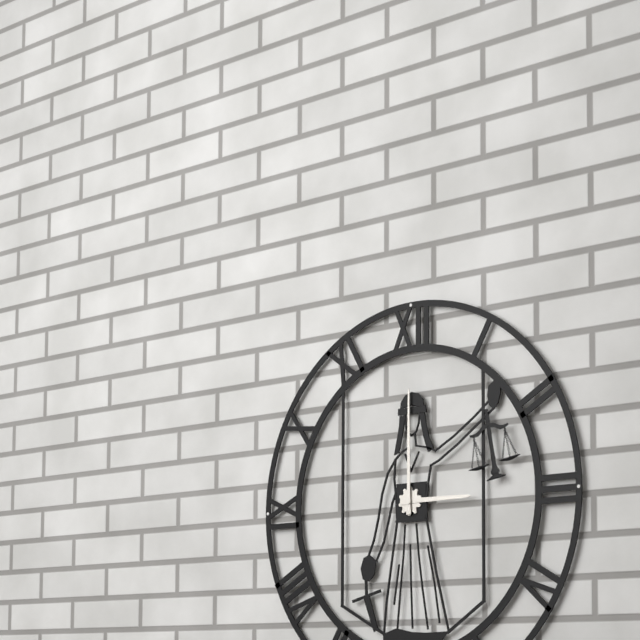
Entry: h=3 m=0
